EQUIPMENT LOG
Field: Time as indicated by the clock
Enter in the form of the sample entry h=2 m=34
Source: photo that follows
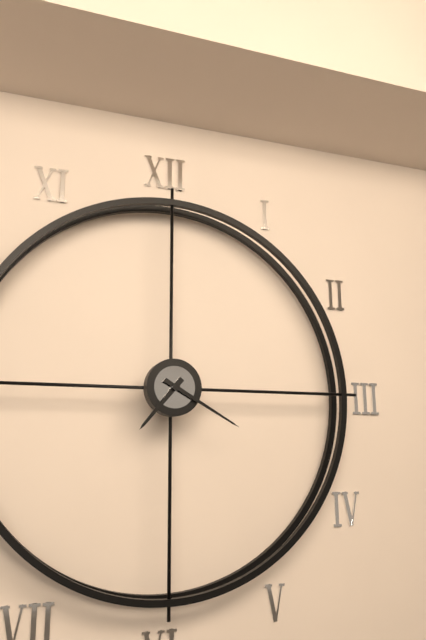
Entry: h=7 m=20
